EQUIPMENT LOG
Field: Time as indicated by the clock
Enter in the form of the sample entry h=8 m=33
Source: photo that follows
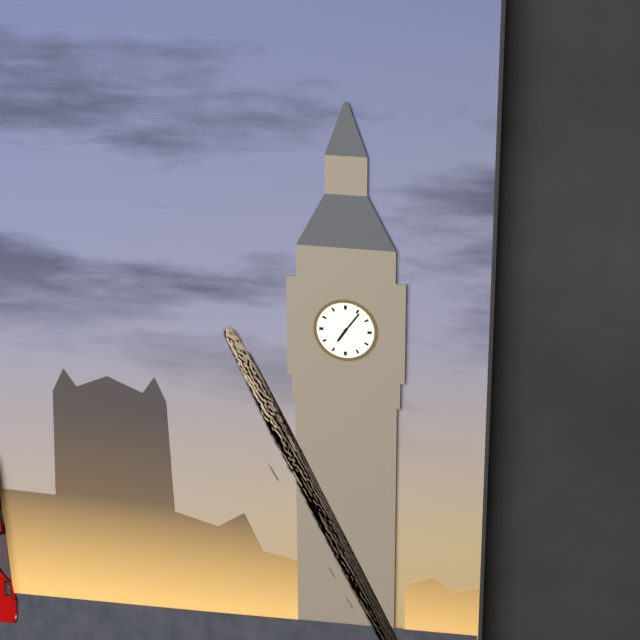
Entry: h=7 m=6
